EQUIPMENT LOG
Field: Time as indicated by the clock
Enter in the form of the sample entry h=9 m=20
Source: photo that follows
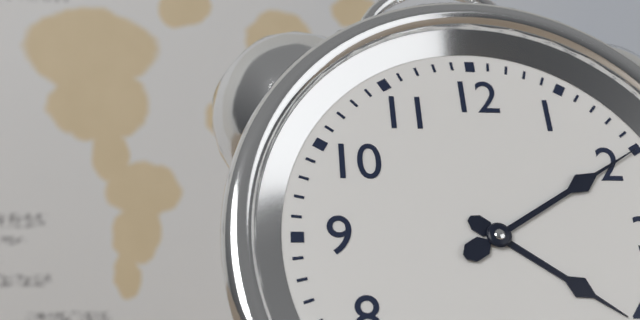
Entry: h=4 m=10
